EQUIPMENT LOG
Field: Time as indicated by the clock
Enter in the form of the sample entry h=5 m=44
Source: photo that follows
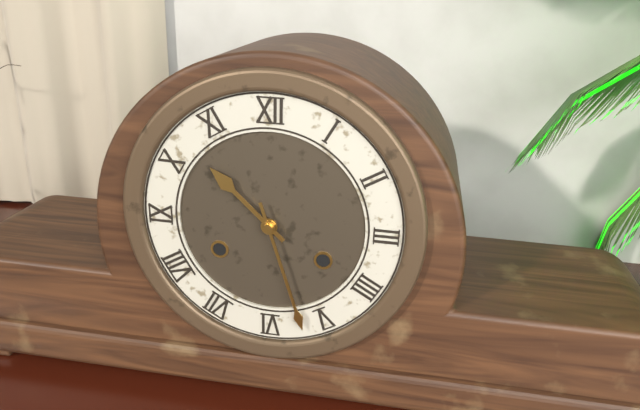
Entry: h=10 m=27
